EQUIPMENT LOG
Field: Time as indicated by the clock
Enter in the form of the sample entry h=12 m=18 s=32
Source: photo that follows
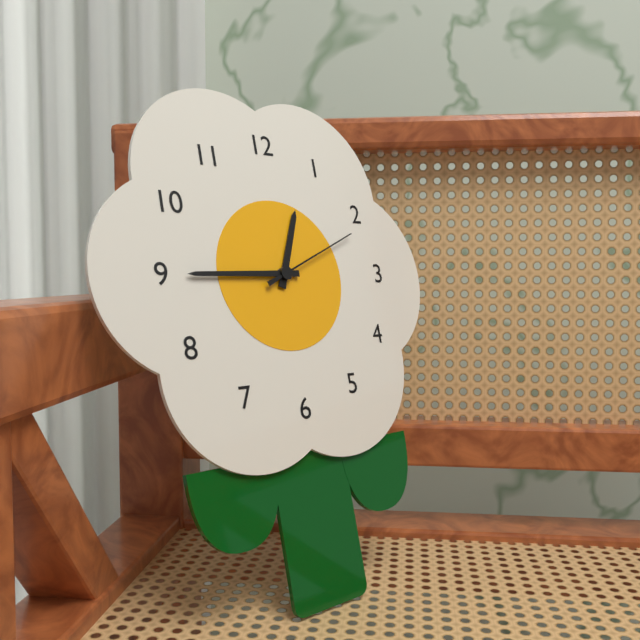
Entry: h=12 m=45 s=11
